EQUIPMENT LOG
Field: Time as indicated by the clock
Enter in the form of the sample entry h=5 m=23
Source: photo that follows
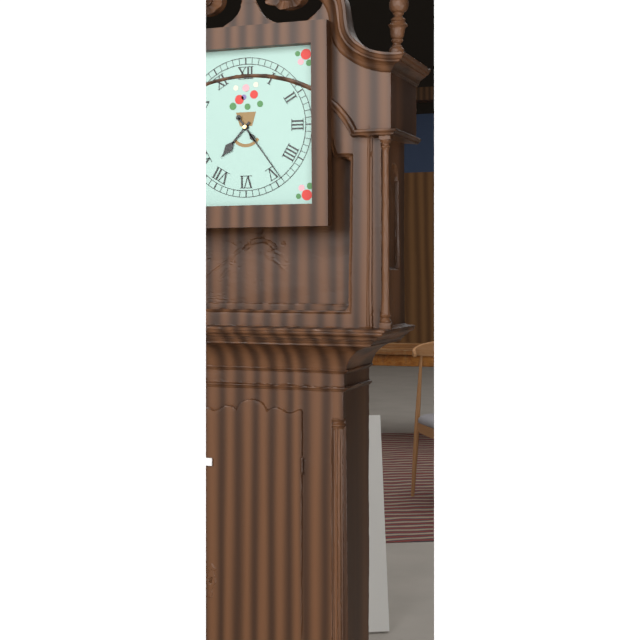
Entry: h=7 m=24
